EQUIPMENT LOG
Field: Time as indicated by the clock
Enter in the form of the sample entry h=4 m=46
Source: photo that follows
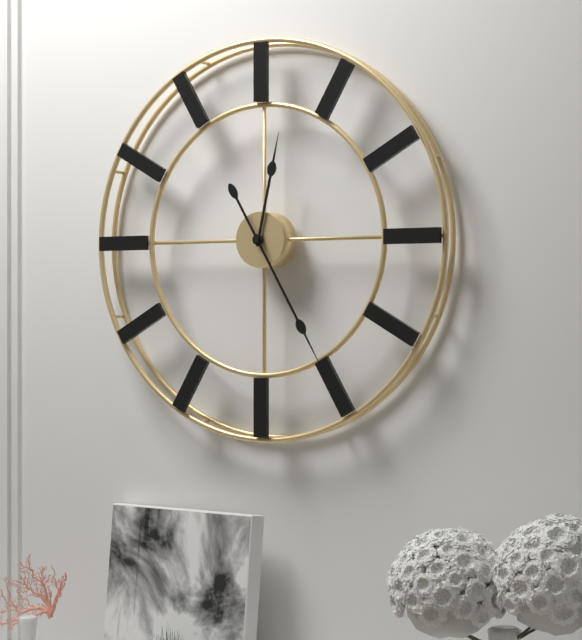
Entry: h=12 m=25
